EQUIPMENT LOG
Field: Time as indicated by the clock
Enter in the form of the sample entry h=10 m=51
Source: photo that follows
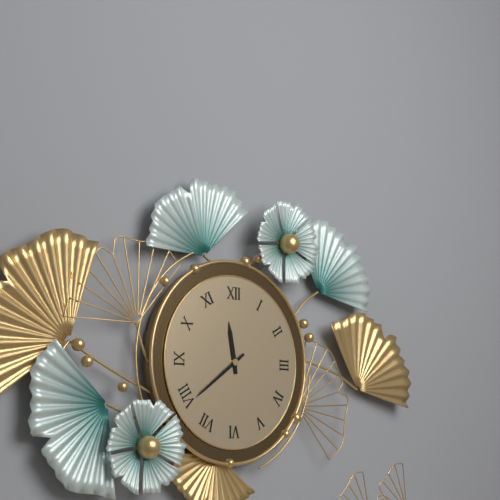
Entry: h=11 m=39
